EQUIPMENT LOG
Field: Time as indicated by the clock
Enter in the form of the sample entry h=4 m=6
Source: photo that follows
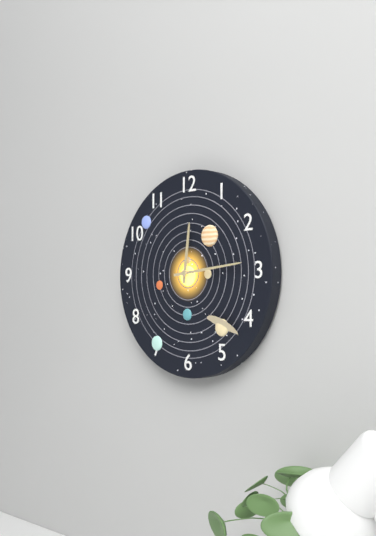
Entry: h=12 m=14
